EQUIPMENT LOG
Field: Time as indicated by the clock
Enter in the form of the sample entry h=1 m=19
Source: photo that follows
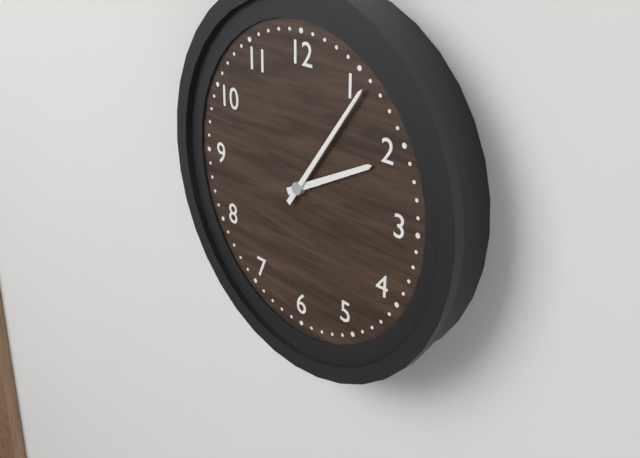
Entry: h=2 m=6
